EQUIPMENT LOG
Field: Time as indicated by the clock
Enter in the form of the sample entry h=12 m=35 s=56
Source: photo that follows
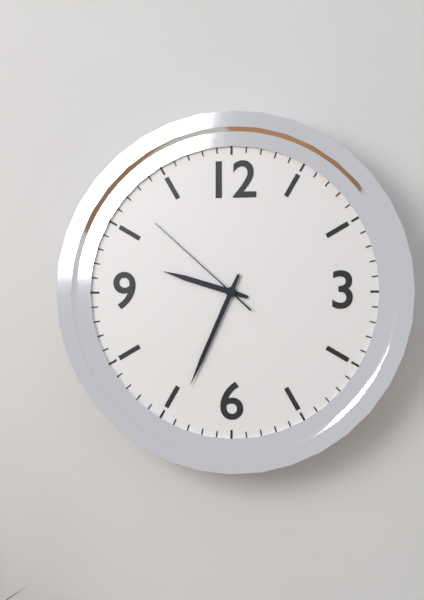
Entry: h=9 m=34 s=52
